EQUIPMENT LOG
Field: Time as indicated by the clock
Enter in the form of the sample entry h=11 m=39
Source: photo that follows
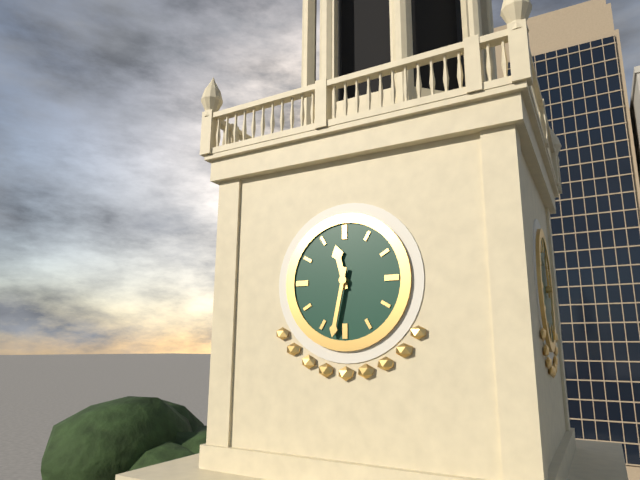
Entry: h=11 m=32
